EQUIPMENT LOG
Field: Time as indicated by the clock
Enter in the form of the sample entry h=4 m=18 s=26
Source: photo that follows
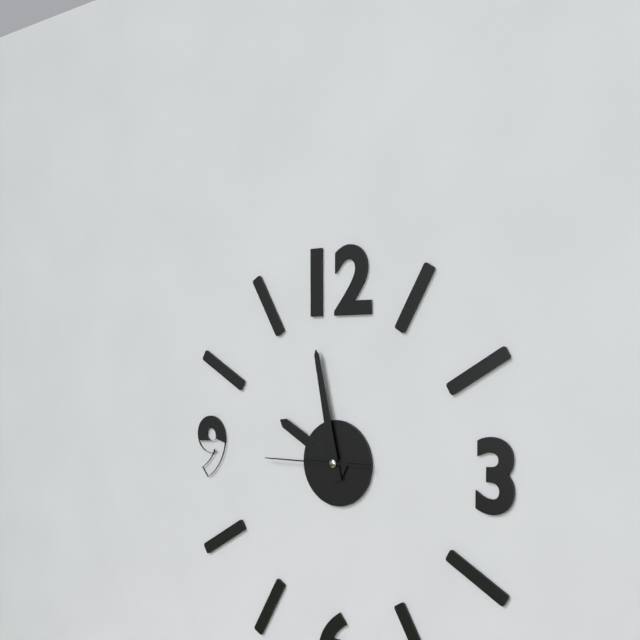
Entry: h=9 m=58 s=45
